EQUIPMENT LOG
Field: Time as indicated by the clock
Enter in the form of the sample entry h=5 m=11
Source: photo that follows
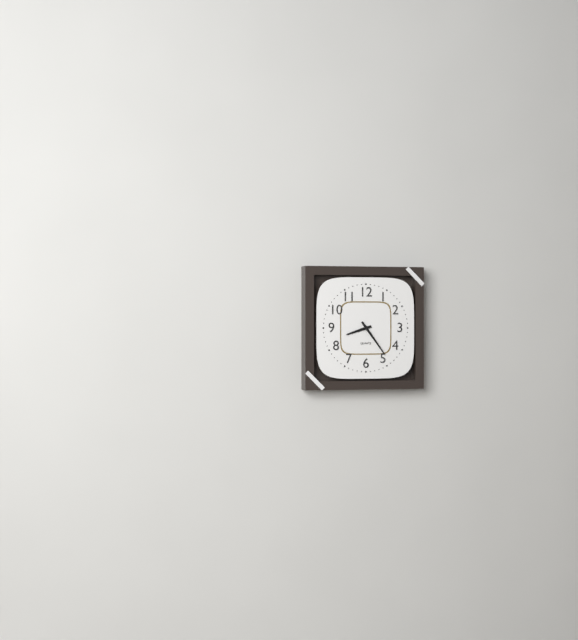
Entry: h=8 m=24
